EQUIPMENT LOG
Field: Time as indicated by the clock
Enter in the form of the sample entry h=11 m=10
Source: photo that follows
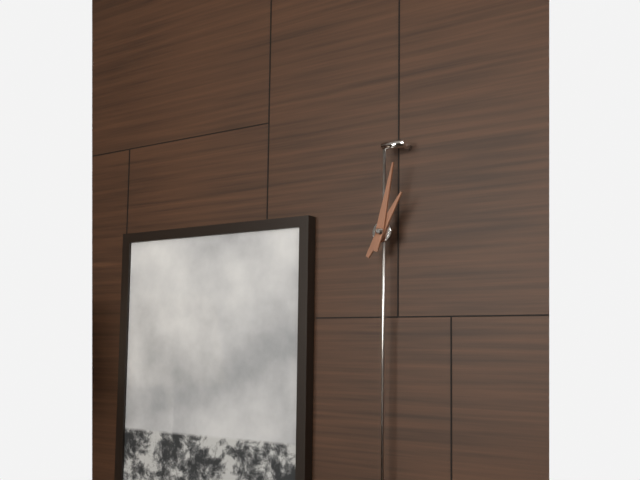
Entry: h=1 m=2
